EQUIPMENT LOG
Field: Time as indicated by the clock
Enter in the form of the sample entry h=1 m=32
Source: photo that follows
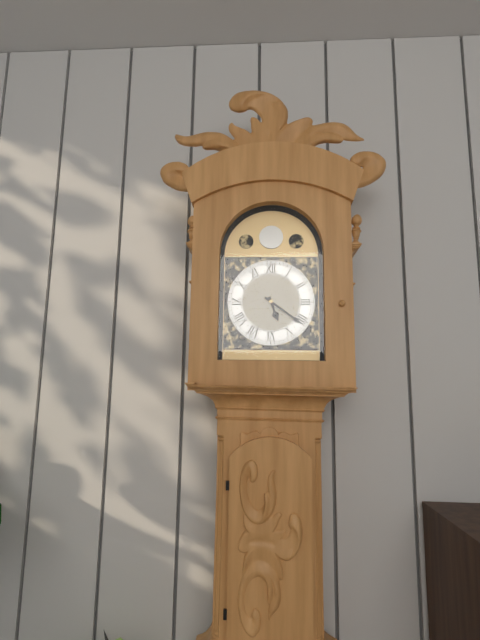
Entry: h=5 m=21
